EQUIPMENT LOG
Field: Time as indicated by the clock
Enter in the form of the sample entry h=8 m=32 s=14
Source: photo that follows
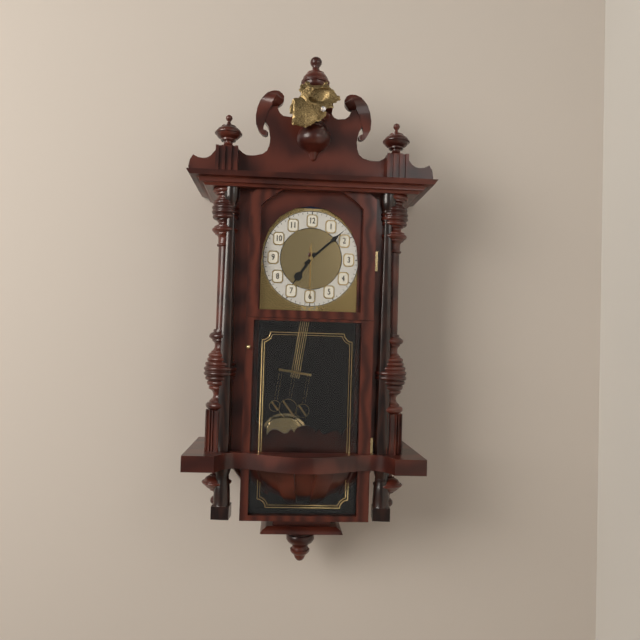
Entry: h=7 m=8 s=30
